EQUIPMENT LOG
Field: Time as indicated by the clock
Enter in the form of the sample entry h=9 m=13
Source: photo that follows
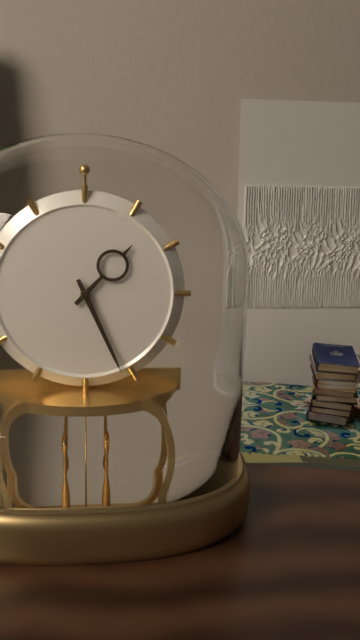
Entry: h=1 m=26
